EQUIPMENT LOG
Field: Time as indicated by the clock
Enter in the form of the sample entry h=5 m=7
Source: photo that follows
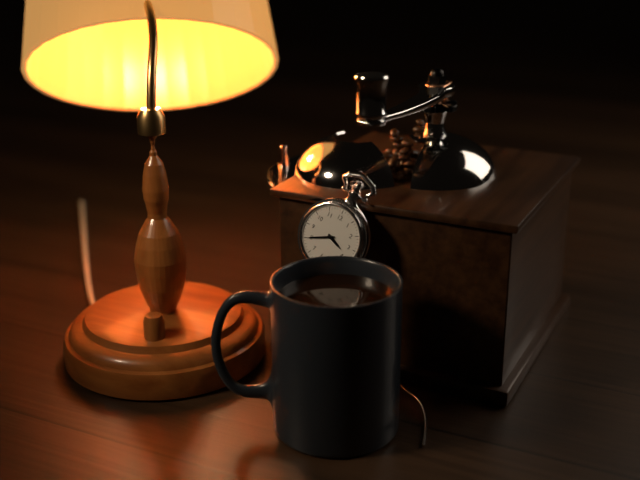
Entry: h=3 m=40
